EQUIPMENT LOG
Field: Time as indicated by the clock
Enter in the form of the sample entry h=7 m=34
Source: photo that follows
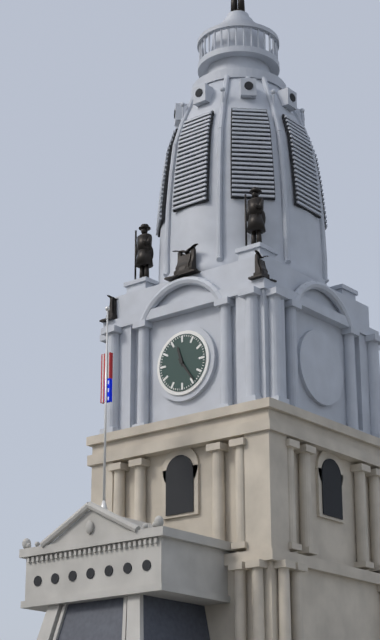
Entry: h=11 m=24
